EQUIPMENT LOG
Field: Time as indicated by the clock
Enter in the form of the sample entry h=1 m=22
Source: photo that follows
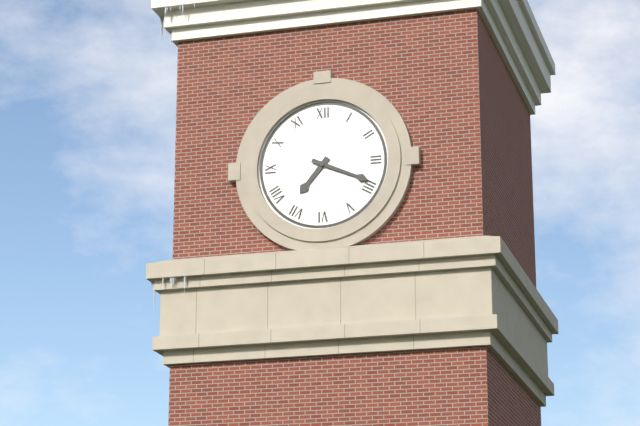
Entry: h=7 m=19
